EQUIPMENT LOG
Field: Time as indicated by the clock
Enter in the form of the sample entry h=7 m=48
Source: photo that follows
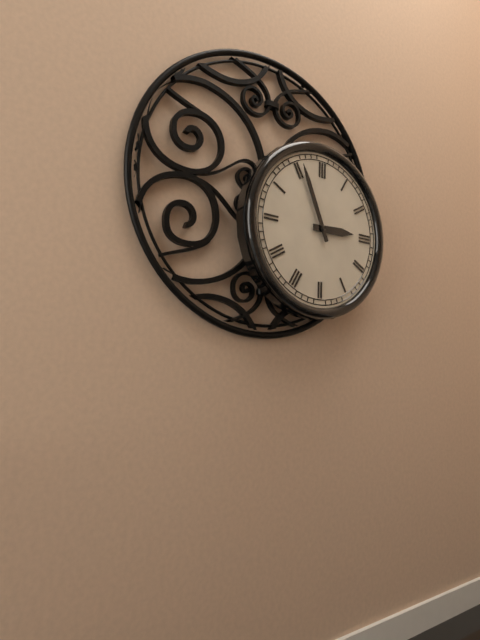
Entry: h=2 m=56
